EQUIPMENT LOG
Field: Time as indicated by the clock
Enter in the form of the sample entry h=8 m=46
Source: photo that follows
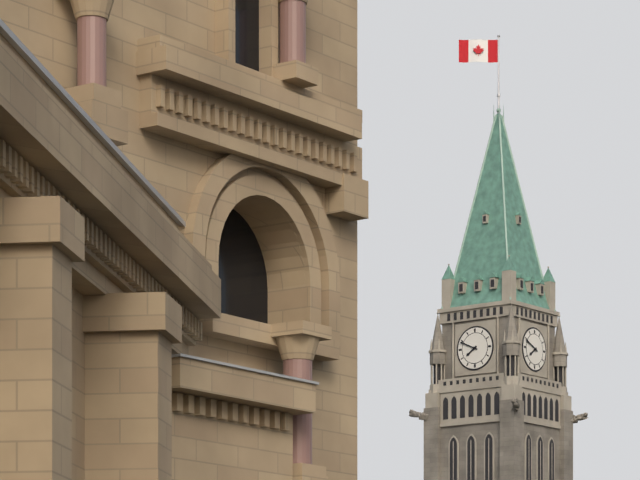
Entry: h=7 m=49
